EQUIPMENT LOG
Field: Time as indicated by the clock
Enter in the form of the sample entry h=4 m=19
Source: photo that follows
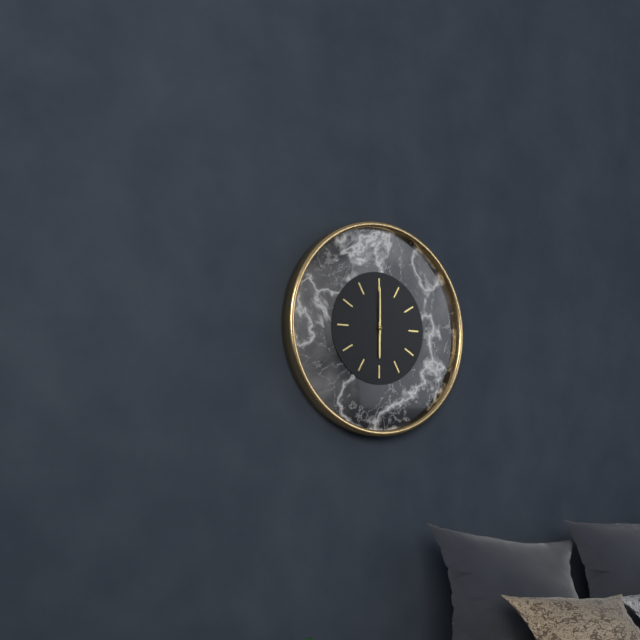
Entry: h=6 m=0
